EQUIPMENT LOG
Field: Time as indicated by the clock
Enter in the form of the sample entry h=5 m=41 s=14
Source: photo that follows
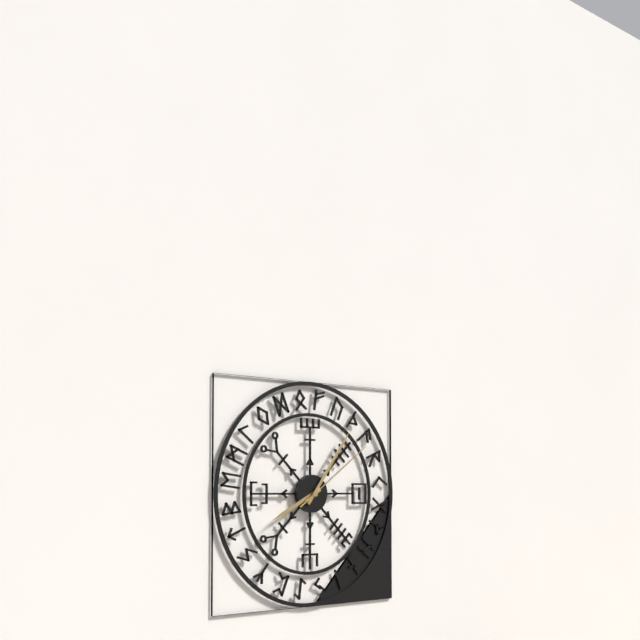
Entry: h=8 m=6 s=9
